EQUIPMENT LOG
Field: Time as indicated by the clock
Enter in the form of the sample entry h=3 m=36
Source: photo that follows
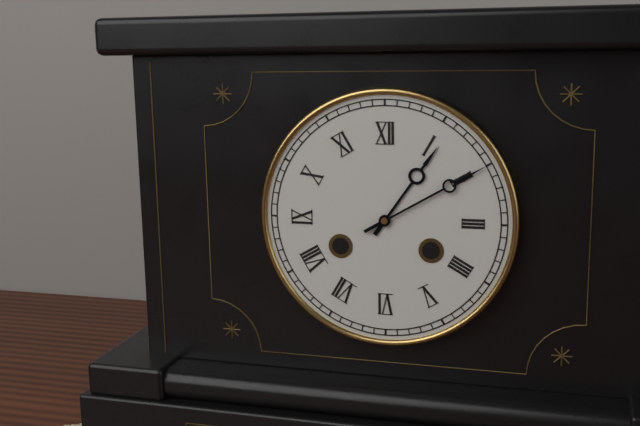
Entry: h=1 m=10
